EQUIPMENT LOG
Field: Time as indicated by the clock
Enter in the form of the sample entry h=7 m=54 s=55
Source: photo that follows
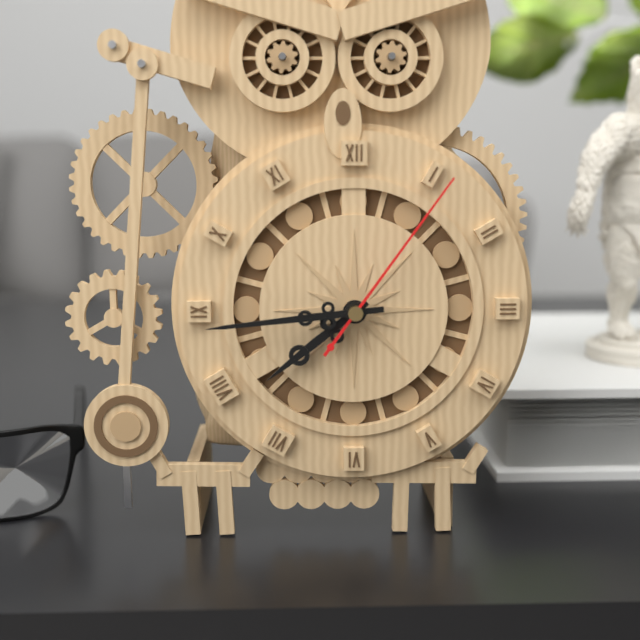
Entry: h=7 m=44 s=6
